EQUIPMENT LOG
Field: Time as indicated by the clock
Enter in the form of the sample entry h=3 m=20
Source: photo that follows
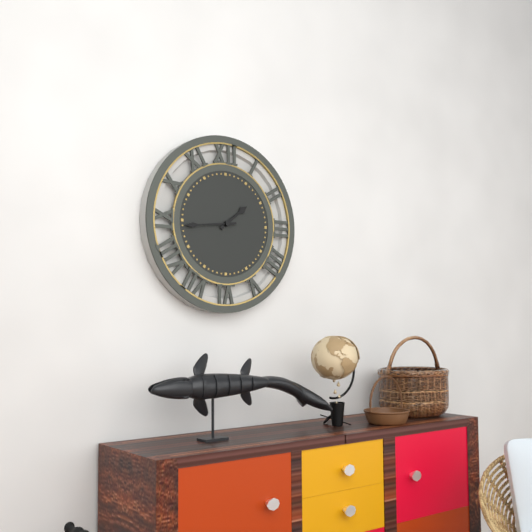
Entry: h=1 m=44
